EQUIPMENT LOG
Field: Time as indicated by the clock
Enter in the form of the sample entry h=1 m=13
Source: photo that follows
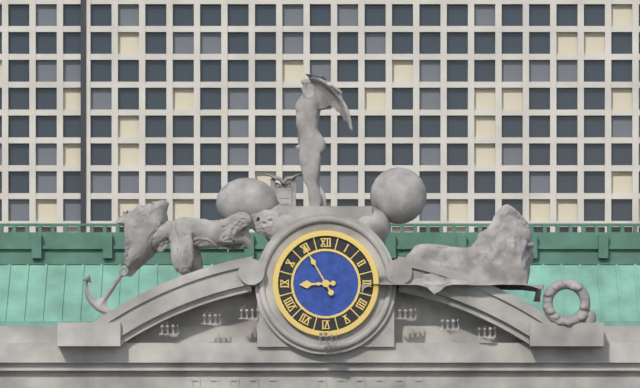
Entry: h=8 m=55
